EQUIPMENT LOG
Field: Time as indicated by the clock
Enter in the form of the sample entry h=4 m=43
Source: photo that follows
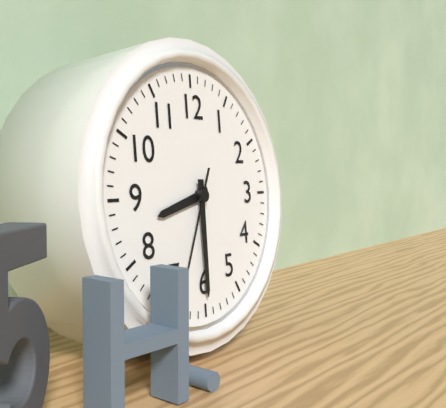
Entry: h=8 m=30
